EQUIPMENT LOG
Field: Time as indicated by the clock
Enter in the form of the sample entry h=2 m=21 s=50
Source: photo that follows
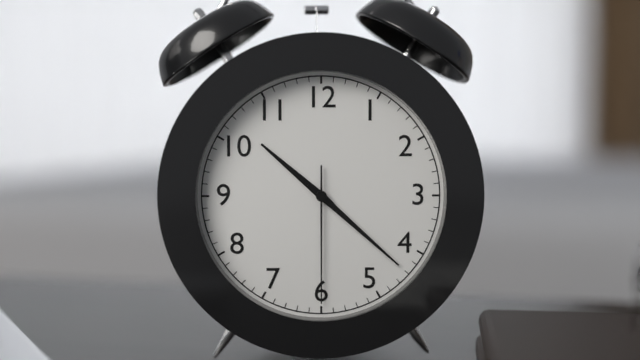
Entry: h=10 m=22 s=30
